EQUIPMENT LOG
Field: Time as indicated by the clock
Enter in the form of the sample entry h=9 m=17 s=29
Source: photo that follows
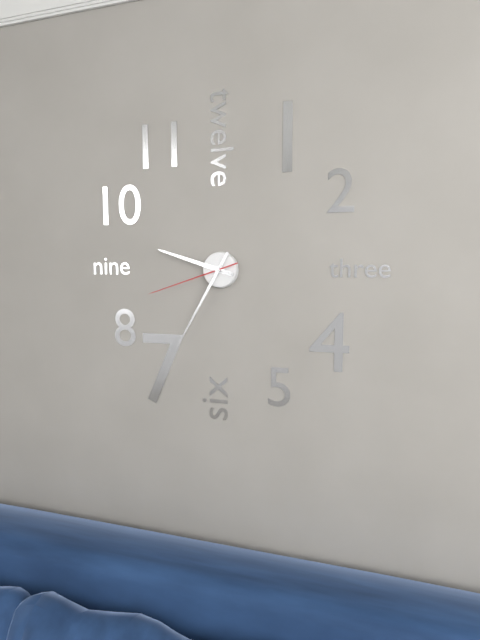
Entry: h=9 m=35 s=42
